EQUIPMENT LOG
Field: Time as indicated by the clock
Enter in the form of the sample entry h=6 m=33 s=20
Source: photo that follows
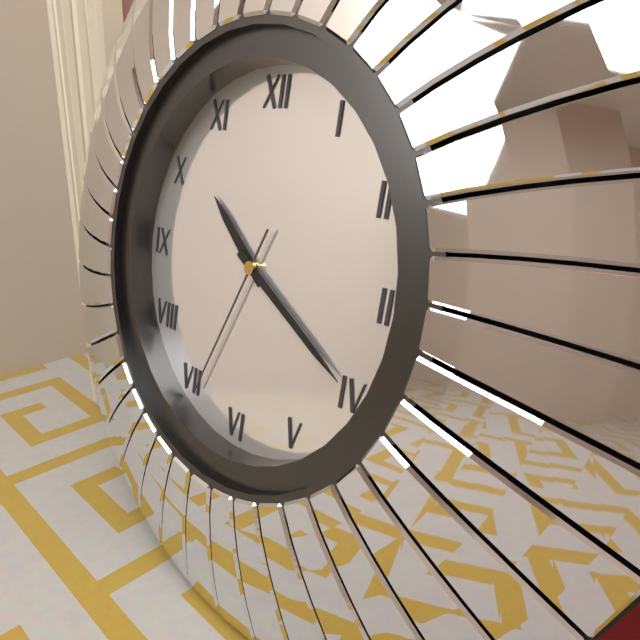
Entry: h=10 m=20 s=34
